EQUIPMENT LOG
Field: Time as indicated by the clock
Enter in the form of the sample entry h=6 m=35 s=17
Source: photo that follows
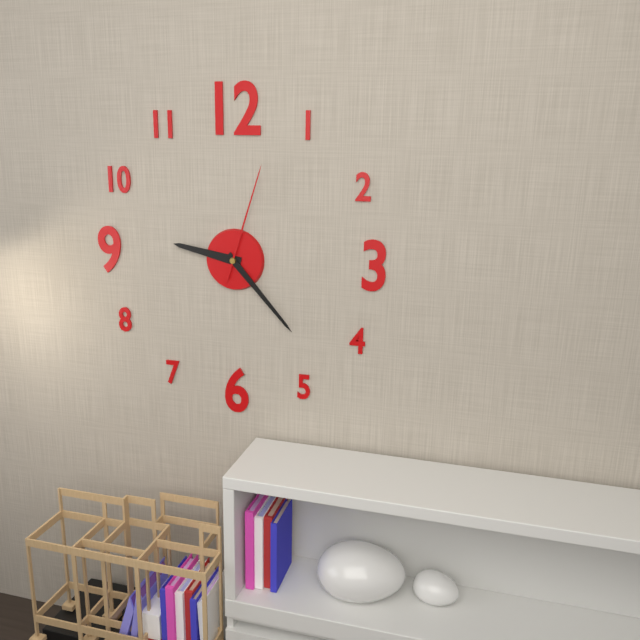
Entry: h=9 m=23 s=3
